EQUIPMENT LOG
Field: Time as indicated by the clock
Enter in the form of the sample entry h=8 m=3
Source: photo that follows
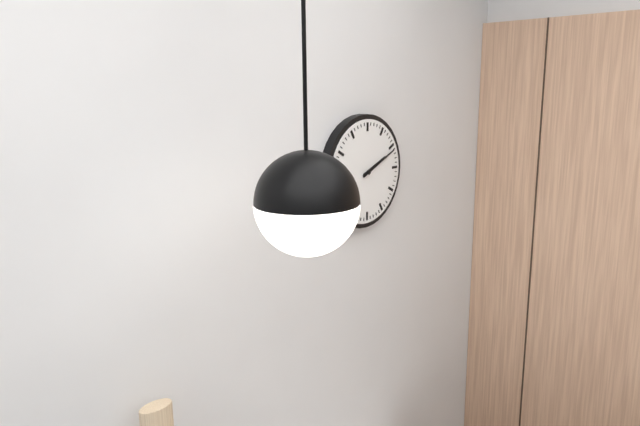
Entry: h=2 m=11
